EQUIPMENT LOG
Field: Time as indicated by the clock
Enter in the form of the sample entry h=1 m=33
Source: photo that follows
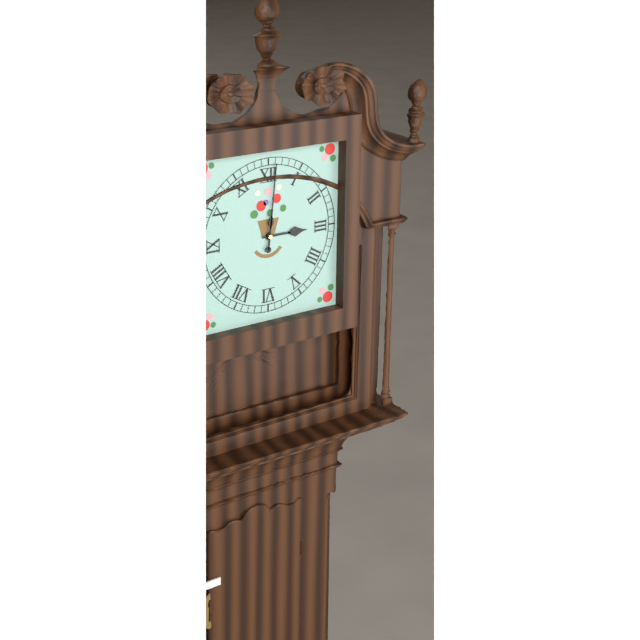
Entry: h=3 m=1
